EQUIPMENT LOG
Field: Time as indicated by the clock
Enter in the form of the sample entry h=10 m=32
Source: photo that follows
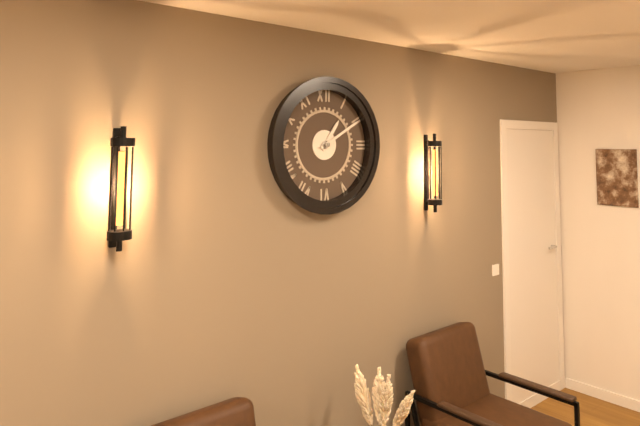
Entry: h=1 m=10
